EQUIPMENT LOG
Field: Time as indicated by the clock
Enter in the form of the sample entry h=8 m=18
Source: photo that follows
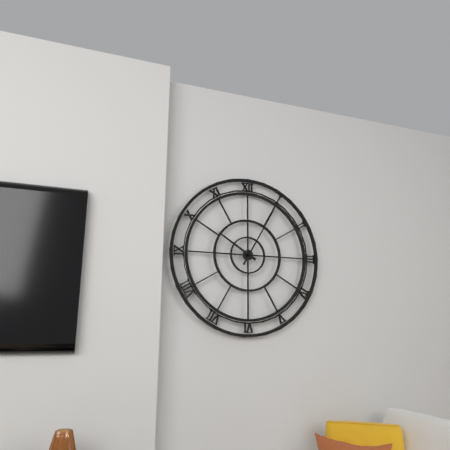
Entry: h=10 m=5
